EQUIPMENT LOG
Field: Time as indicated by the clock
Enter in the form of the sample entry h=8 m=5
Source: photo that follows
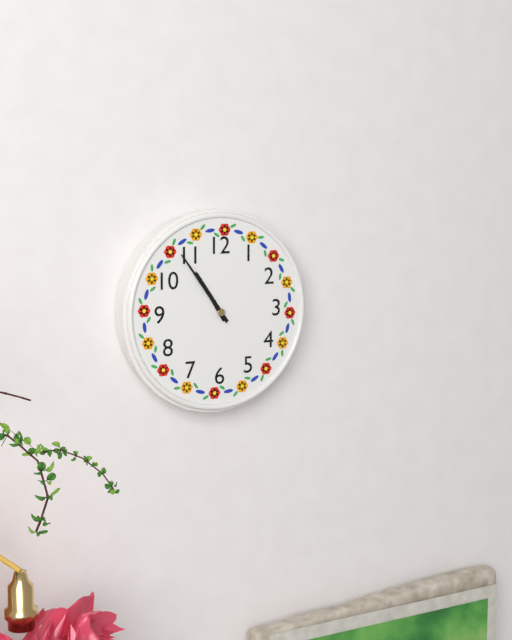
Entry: h=10 m=54
